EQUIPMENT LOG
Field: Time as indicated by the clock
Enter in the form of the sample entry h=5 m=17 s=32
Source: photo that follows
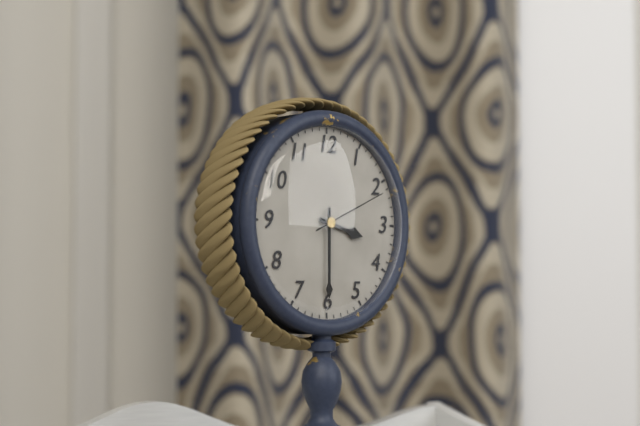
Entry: h=3 m=30 s=11
